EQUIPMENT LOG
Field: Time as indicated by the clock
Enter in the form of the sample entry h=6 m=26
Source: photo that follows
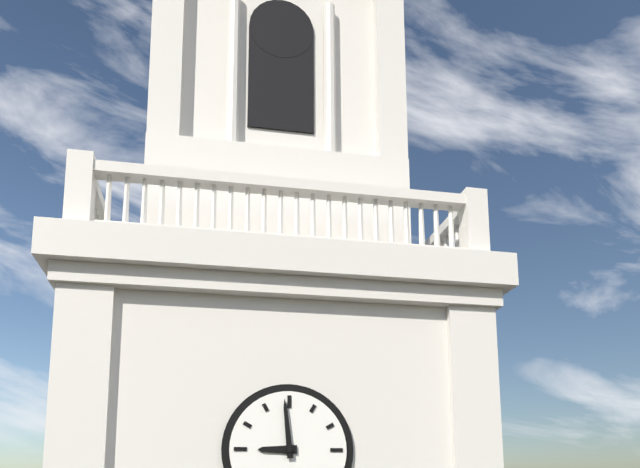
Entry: h=8 m=59
